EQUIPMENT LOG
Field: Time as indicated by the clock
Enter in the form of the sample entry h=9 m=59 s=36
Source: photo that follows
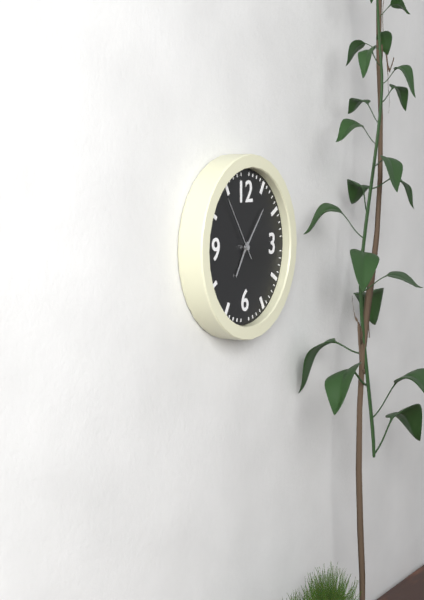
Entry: h=7 m=7 s=54
